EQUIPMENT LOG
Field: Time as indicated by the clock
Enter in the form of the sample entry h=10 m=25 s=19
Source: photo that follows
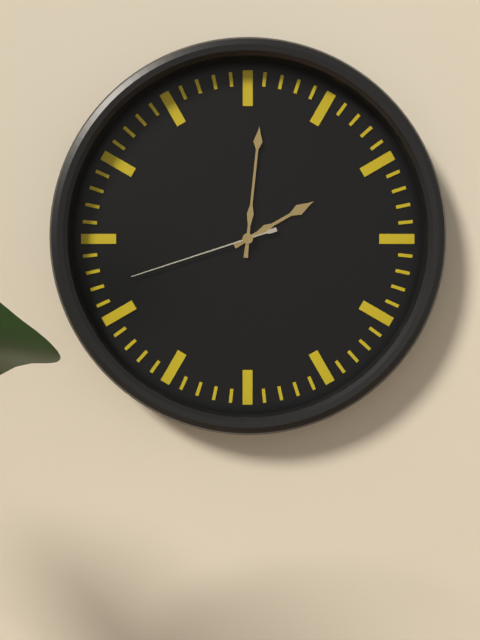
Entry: h=2 m=1 s=42
